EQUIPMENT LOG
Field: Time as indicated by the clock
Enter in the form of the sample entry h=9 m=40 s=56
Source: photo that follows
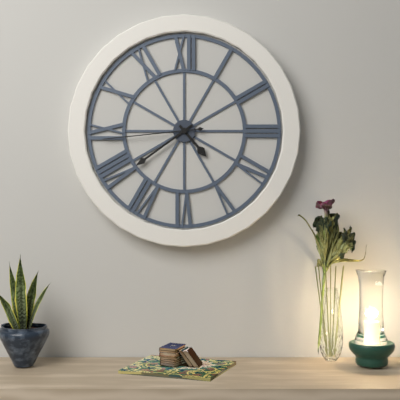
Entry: h=4 m=39 s=44
